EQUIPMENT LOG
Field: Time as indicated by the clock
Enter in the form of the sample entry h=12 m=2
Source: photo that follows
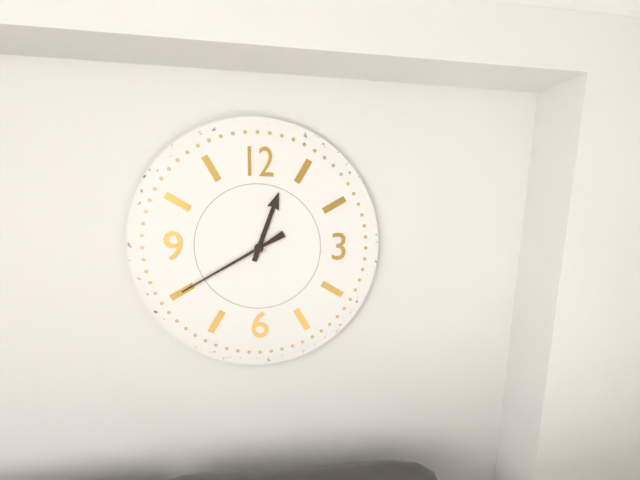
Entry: h=12 m=40
